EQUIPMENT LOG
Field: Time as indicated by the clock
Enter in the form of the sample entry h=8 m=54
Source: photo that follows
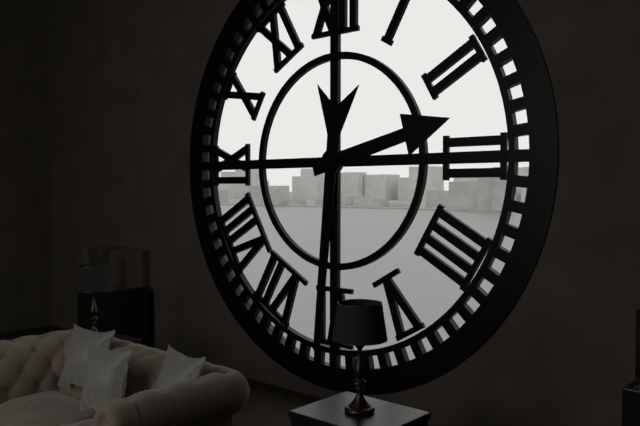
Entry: h=2 m=31
